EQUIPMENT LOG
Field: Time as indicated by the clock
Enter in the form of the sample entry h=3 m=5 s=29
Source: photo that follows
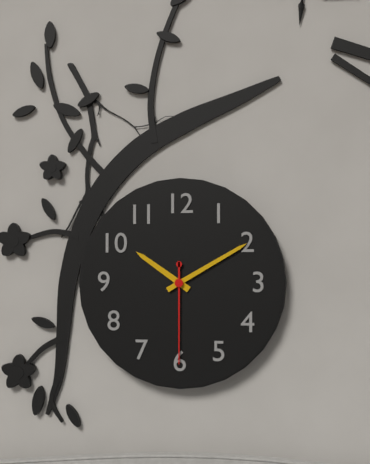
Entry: h=10 m=10 s=30
